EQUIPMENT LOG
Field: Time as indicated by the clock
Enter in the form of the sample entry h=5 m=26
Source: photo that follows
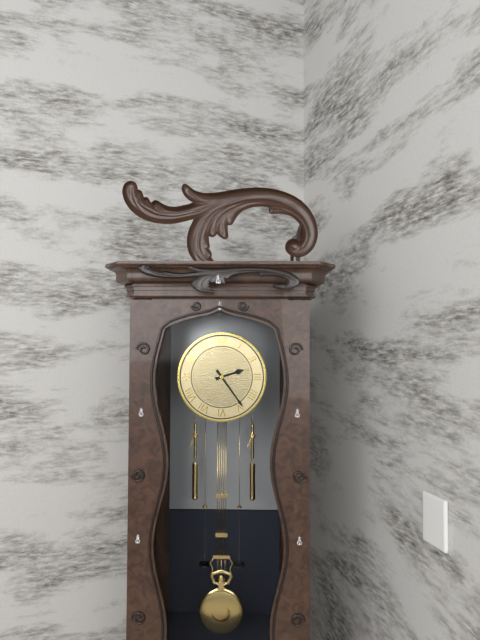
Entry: h=2 m=24
